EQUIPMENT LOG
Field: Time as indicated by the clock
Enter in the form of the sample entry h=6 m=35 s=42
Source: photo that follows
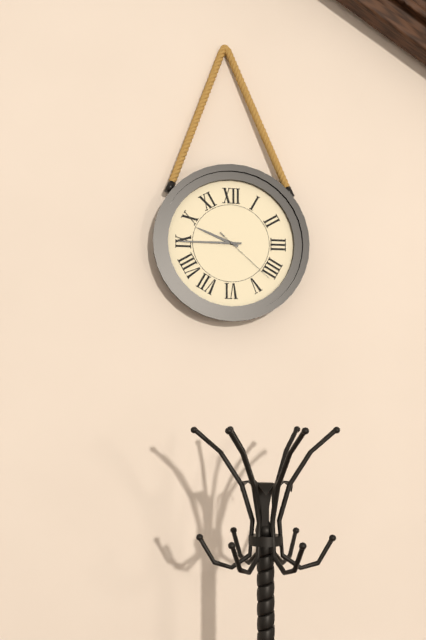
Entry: h=9 m=45 s=22
